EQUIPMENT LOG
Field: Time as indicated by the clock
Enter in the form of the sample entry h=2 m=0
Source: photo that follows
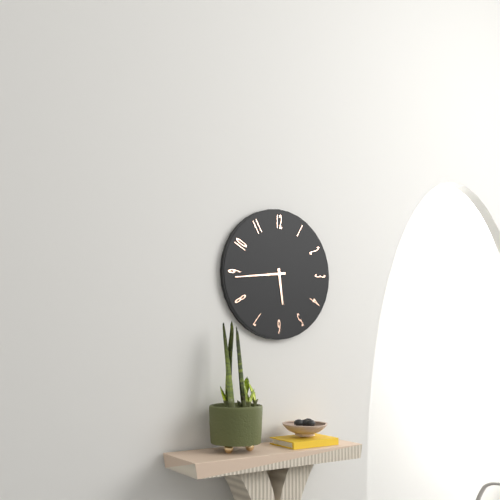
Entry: h=5 m=44
